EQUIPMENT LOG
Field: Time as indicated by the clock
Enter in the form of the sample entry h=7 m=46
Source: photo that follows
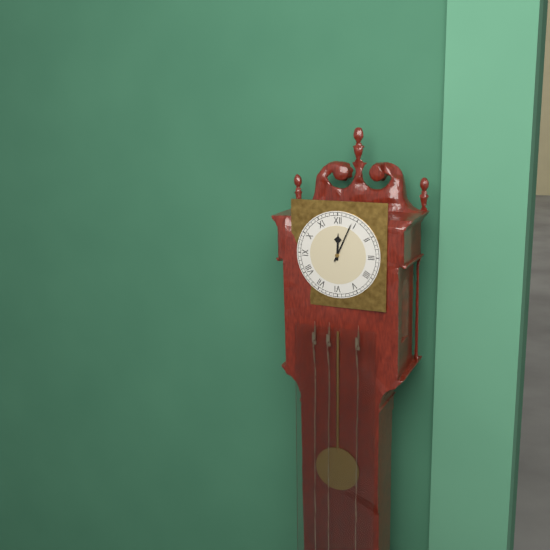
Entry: h=12 m=4
